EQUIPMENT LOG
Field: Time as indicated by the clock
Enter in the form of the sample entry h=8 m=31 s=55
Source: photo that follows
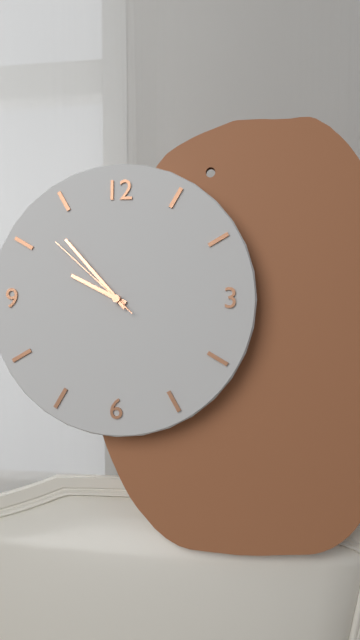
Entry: h=9 m=53 s=52
